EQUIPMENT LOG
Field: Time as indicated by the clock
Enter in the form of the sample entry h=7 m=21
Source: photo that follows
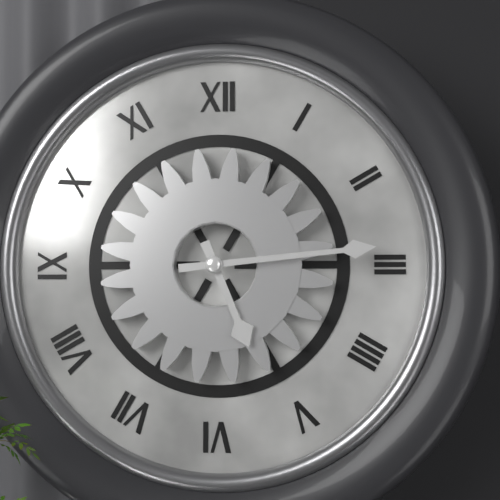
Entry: h=5 m=14
